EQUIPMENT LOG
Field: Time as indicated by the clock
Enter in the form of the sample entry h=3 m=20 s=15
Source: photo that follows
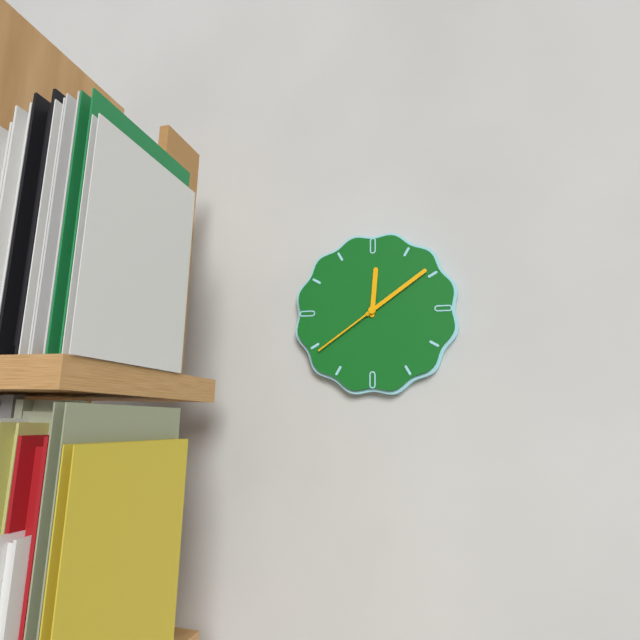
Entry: h=12 m=9 s=39
